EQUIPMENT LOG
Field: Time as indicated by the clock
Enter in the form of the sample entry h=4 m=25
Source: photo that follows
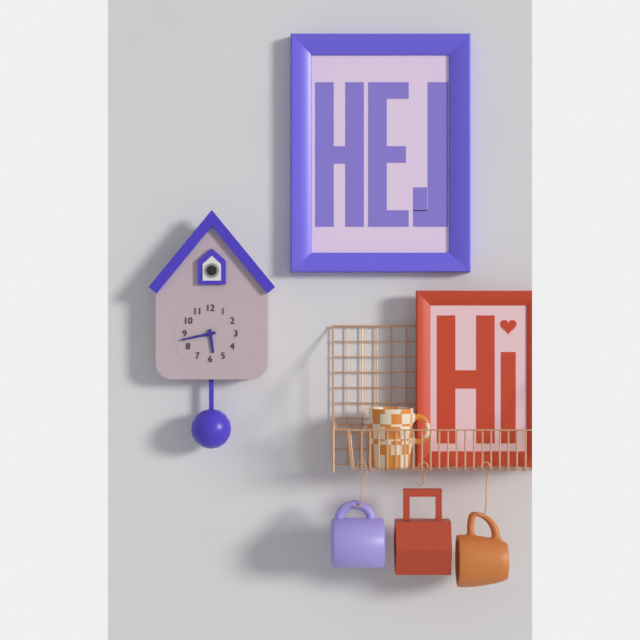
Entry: h=5 m=43
